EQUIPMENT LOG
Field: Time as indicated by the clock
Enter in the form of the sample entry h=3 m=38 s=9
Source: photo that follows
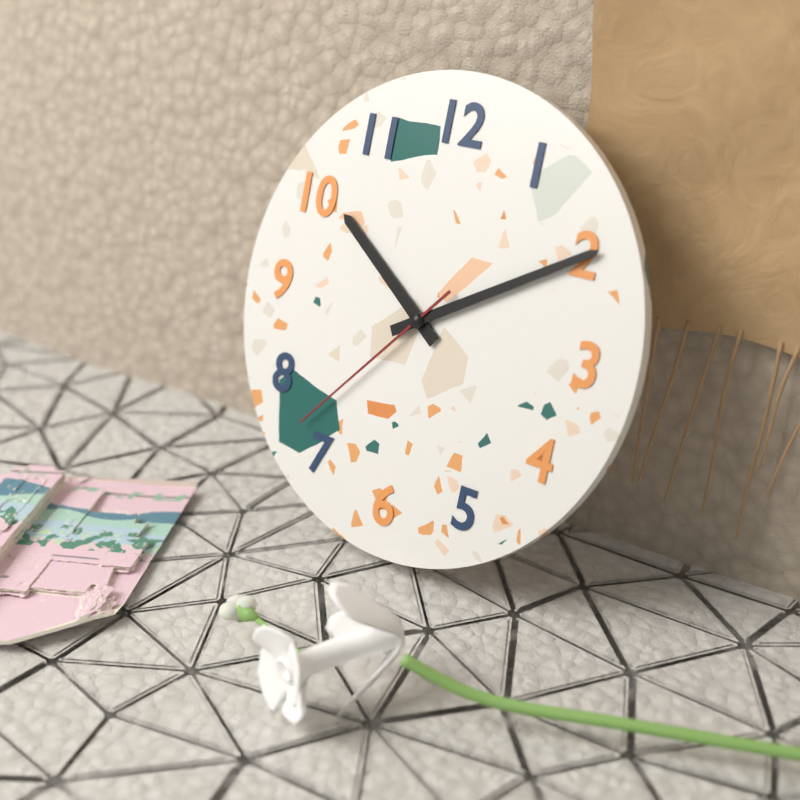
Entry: h=10 m=10 s=37
